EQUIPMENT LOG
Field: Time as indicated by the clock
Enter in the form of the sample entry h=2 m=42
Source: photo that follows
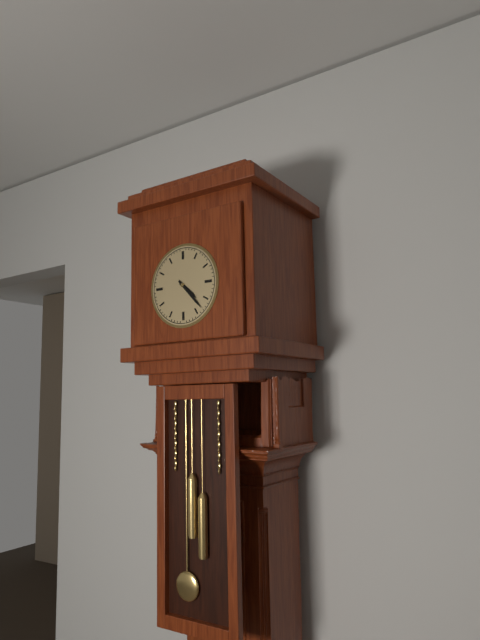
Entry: h=4 m=23
